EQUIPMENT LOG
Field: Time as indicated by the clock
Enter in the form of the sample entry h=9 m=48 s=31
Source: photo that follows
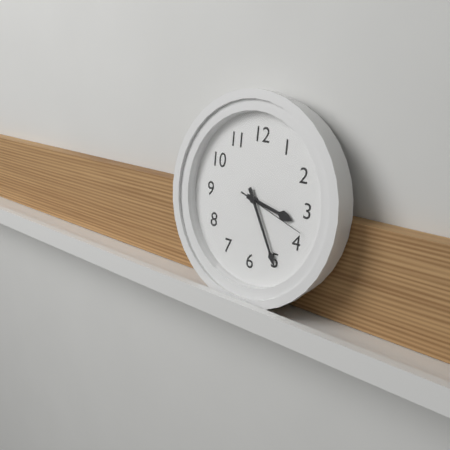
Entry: h=3 m=25 s=18
